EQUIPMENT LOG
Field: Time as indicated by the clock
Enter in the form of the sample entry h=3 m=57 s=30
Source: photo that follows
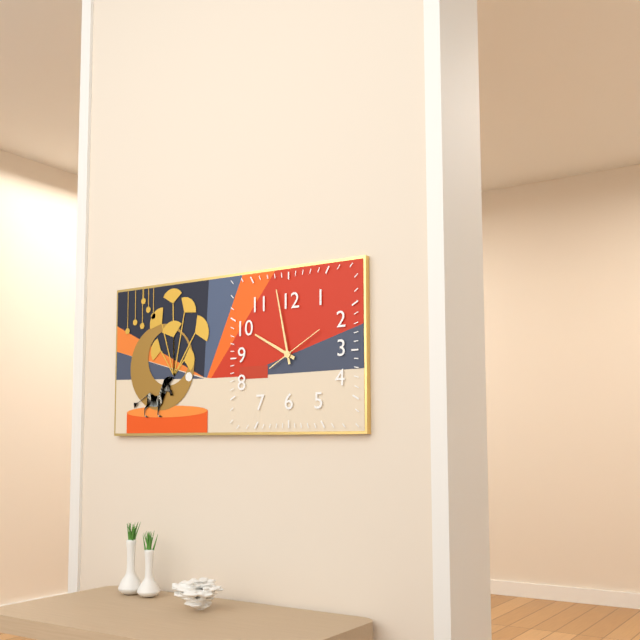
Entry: h=9 m=58 s=10
